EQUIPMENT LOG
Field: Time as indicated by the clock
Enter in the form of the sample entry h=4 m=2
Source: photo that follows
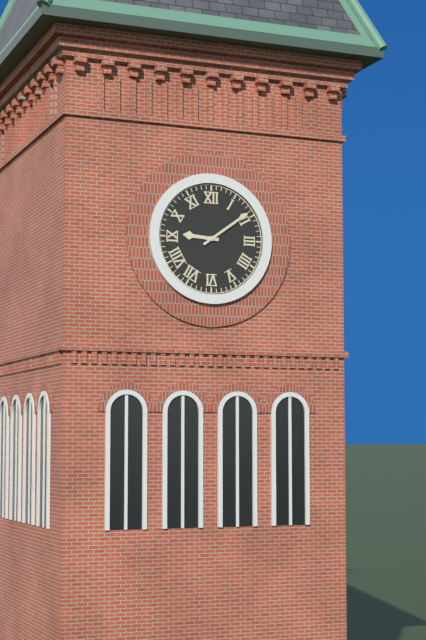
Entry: h=9 m=9
